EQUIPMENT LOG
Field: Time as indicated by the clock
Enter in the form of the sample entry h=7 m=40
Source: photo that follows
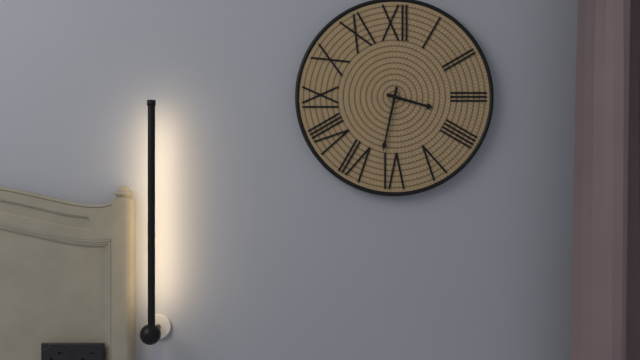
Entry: h=3 m=32
